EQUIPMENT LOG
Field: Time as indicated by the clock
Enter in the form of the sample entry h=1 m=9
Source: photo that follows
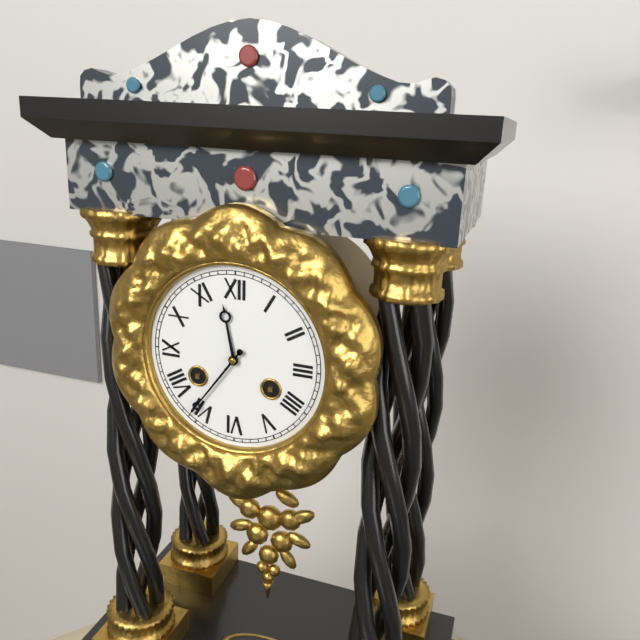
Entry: h=11 m=36
